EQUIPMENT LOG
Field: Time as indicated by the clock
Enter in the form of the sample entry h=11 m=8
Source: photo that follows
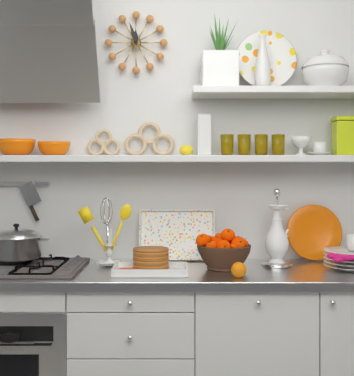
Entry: h=11 m=57
